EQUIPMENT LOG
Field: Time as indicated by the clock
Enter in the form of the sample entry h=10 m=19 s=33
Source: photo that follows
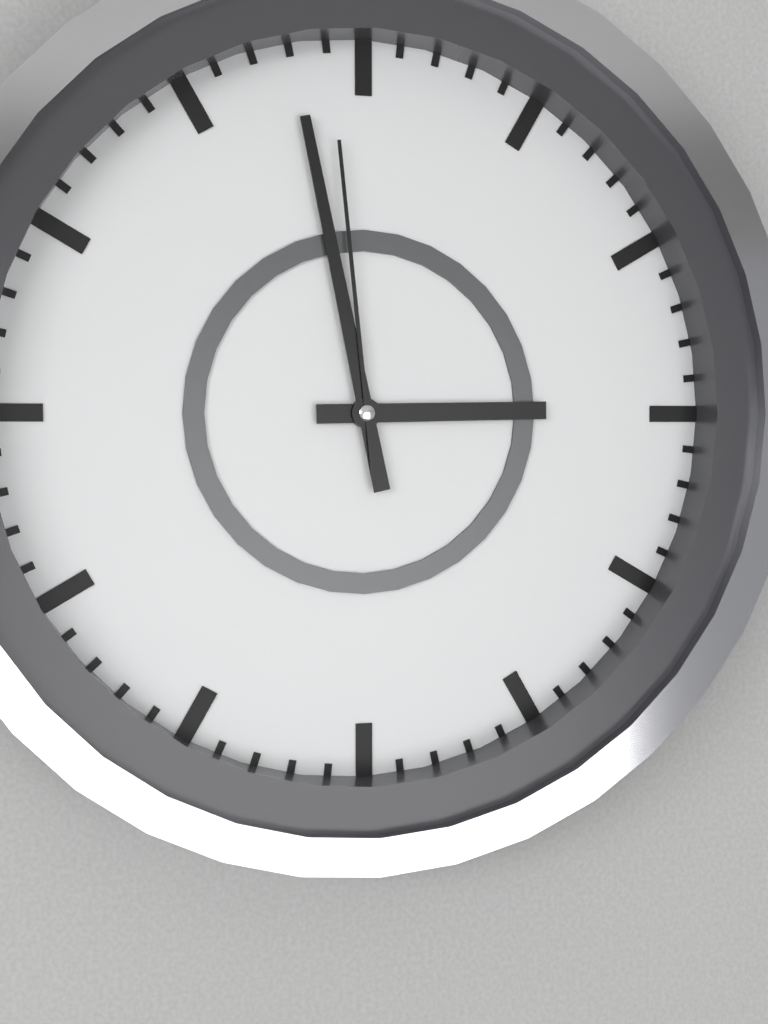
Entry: h=2 m=58 s=59
